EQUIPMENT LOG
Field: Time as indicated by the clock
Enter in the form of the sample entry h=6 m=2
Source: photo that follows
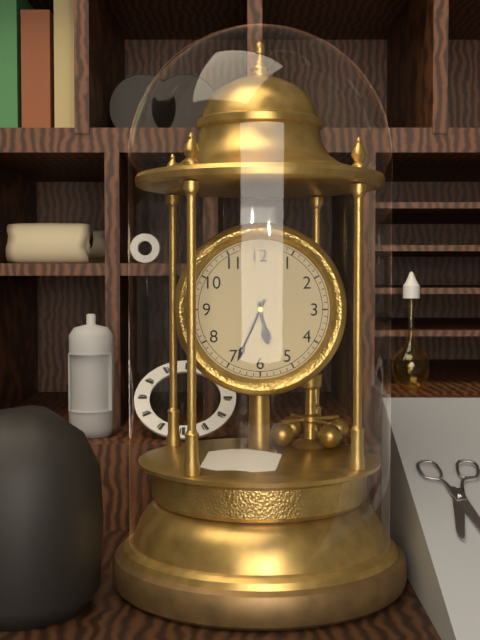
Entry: h=5 m=34
